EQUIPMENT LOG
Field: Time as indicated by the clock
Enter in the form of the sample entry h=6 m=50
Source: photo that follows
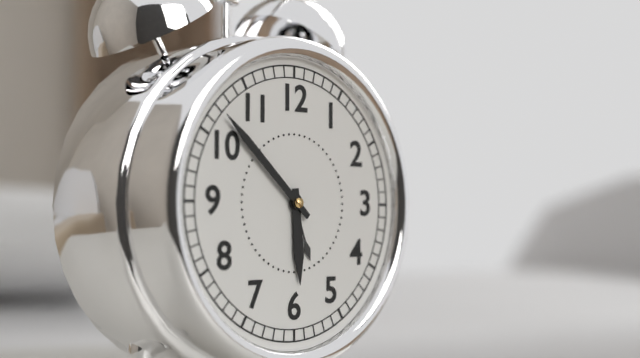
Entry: h=5 m=52
